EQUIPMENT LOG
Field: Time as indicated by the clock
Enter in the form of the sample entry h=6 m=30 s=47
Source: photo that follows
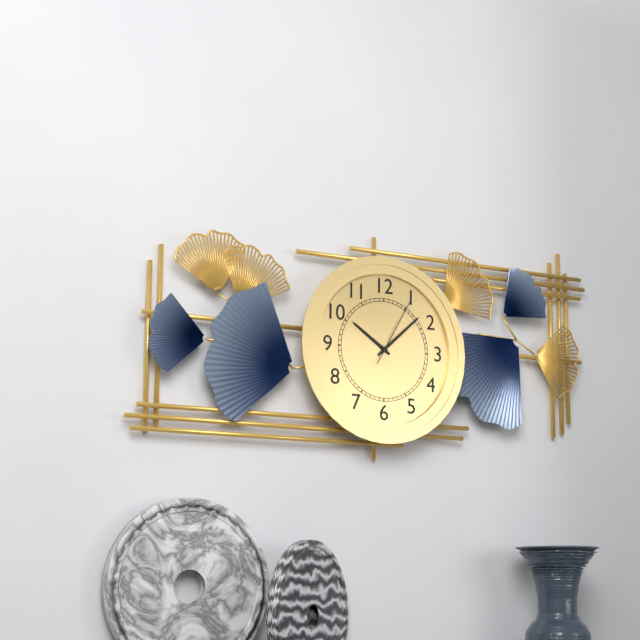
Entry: h=10 m=8 s=5
